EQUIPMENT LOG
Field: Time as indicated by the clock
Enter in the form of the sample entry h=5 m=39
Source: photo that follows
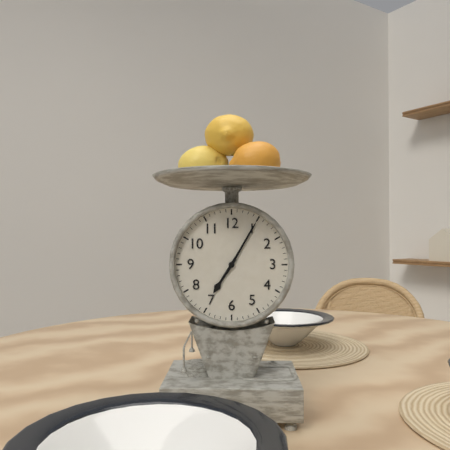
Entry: h=7 m=5
